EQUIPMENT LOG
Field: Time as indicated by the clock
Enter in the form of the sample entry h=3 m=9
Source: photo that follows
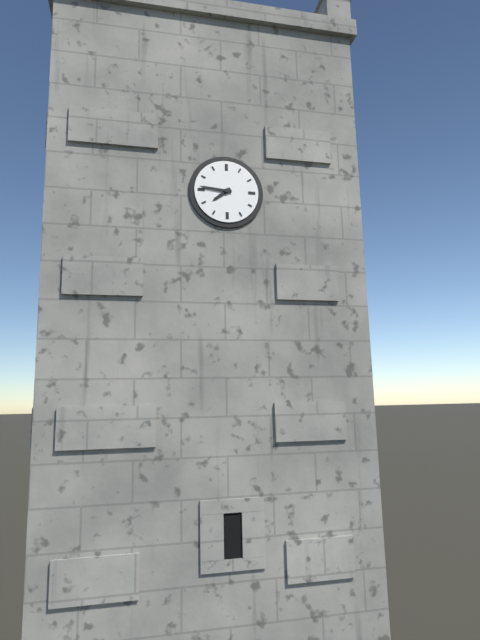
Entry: h=7 m=46
